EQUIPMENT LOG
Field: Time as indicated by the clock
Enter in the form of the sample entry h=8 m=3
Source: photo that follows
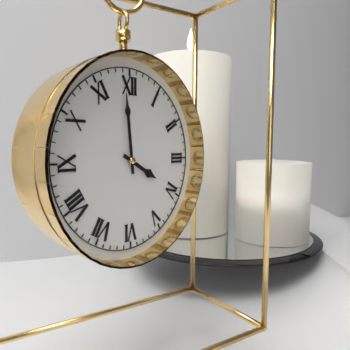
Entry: h=3 m=59
